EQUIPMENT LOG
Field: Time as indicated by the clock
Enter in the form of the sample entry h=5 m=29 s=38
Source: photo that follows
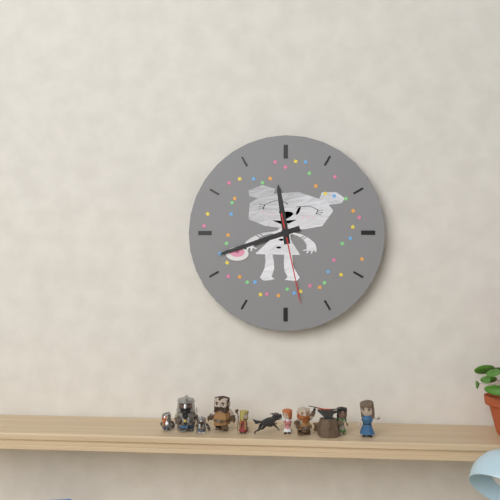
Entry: h=11 m=42 s=28
